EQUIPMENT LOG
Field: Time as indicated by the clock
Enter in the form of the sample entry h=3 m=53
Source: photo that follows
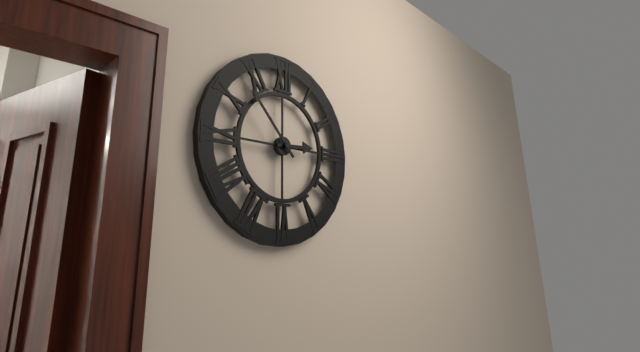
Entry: h=2 m=53
